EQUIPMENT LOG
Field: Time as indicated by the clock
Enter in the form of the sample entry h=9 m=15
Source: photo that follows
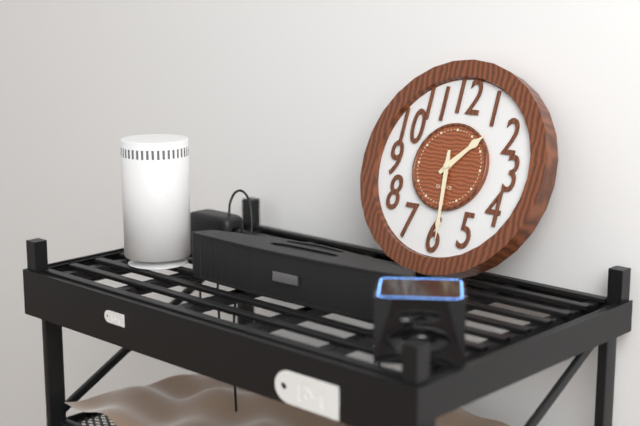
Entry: h=1 m=29
